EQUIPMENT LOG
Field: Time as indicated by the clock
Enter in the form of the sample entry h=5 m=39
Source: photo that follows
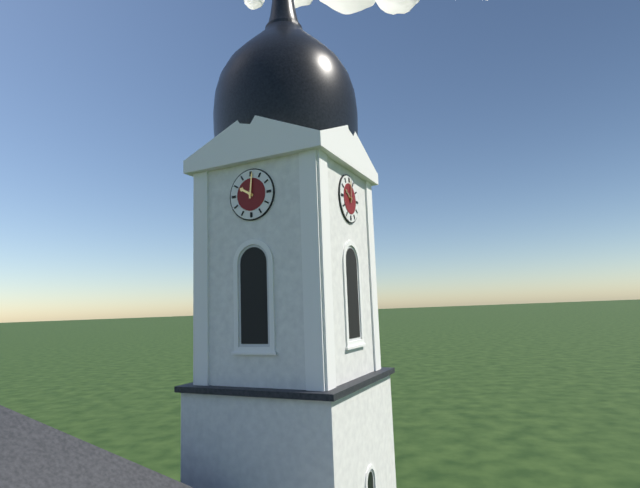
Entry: h=10 m=1
